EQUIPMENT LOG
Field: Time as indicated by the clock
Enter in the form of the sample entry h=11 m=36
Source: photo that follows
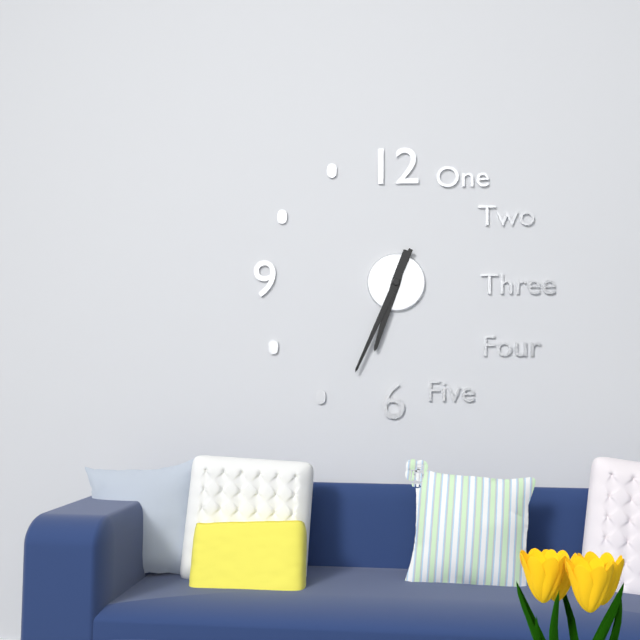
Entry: h=6 m=34
